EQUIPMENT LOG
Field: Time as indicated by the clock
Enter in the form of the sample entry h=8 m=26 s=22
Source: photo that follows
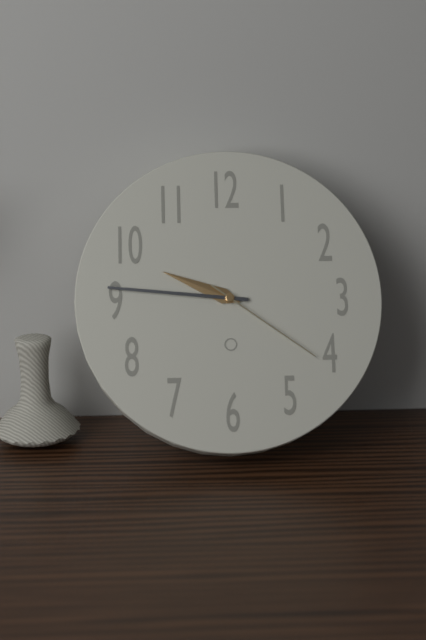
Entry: h=9 m=46 s=21
